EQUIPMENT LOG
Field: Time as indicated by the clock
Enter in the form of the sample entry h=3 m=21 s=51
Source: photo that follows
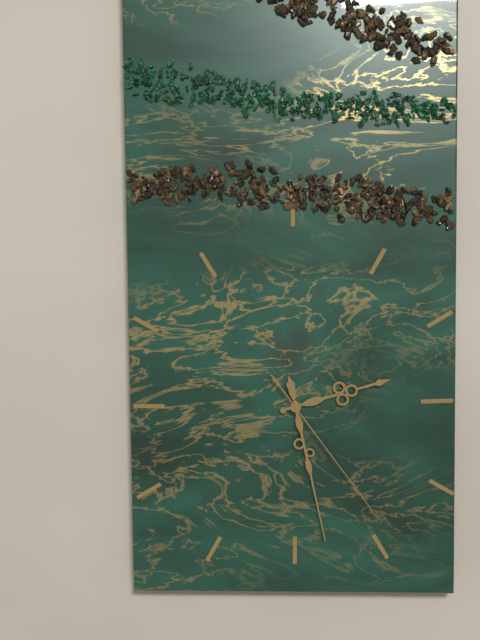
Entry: h=2 m=28 s=24
